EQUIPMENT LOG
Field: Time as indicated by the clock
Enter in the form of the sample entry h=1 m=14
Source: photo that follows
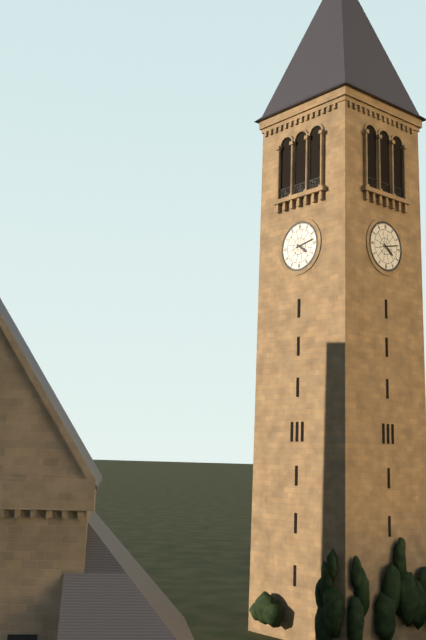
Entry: h=4 m=13
